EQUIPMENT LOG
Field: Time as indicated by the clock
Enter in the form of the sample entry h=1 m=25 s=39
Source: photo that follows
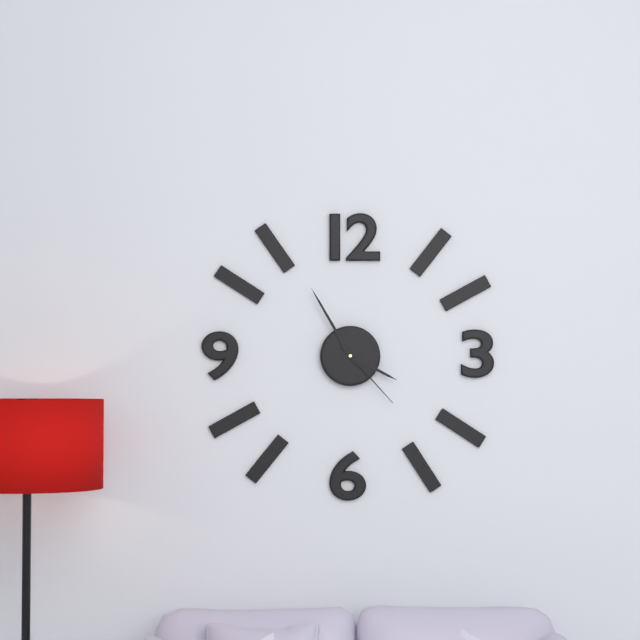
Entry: h=3 m=55 s=23
